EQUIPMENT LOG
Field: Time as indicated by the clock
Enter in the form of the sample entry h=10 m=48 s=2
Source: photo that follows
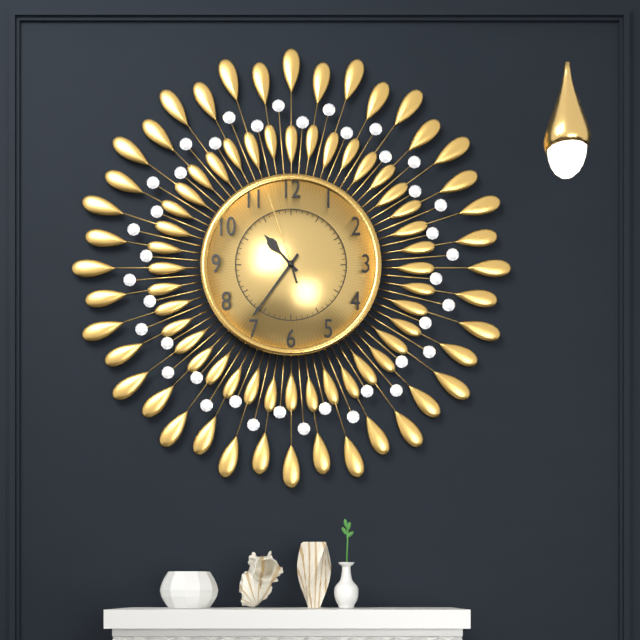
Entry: h=10 m=36 s=57
